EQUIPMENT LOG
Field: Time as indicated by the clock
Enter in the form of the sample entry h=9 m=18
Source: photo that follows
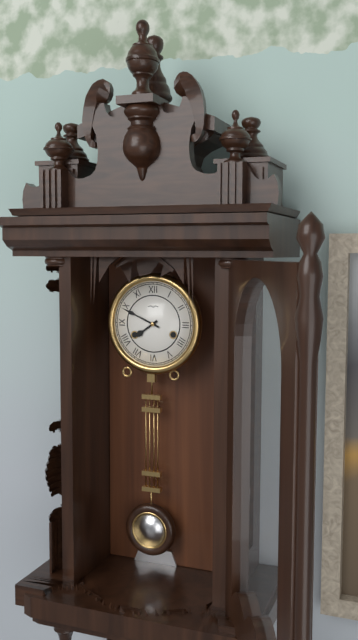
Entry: h=7 m=49
